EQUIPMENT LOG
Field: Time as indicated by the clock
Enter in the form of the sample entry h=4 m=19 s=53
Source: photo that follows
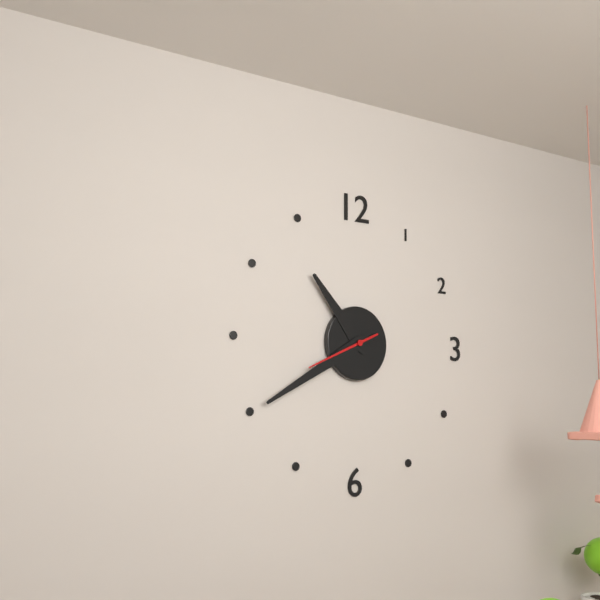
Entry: h=10 m=40 s=41
